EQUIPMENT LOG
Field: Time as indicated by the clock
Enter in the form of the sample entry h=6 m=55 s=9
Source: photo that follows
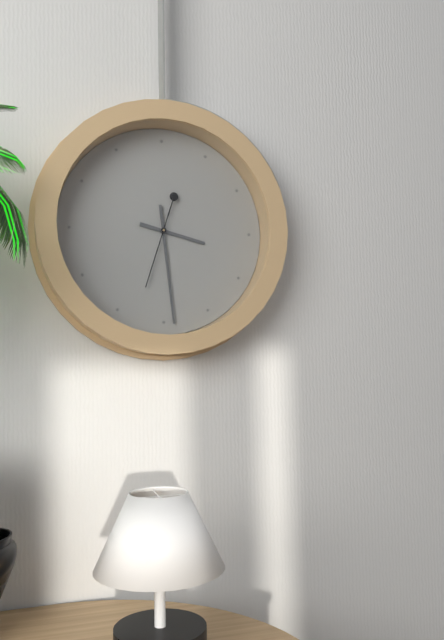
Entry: h=3 m=29 s=33
